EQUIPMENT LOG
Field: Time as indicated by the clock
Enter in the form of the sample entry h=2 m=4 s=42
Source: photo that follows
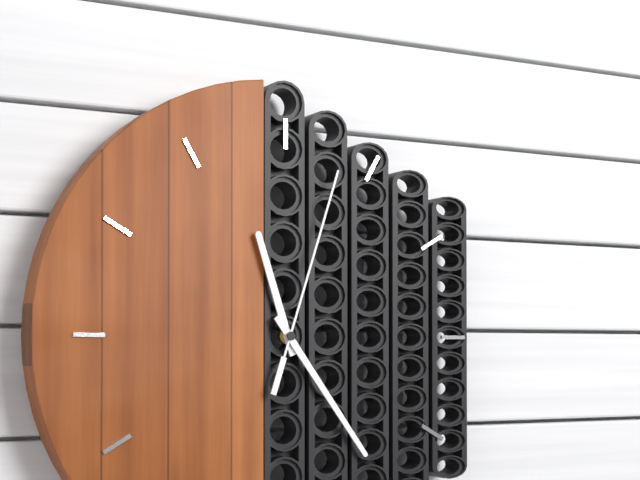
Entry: h=11 m=24 s=3
